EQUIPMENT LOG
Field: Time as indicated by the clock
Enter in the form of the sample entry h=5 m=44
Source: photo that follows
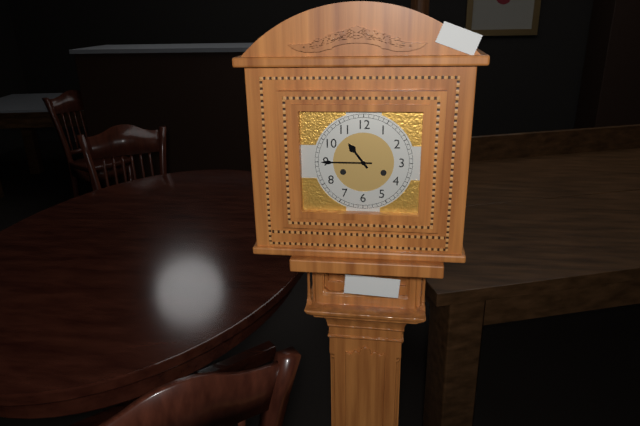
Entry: h=10 m=45
